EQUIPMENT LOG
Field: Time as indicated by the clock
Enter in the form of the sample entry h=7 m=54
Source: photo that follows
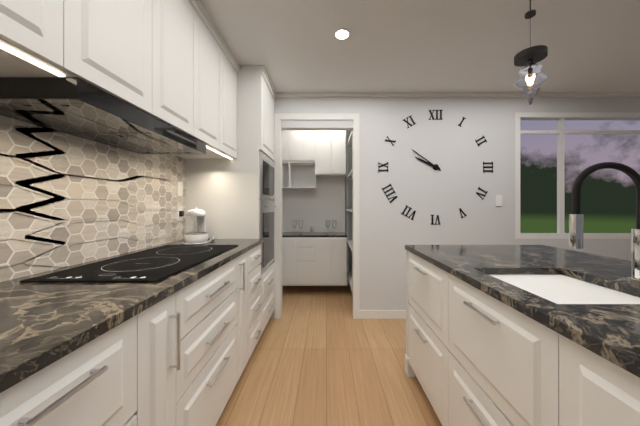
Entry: h=9 m=51
